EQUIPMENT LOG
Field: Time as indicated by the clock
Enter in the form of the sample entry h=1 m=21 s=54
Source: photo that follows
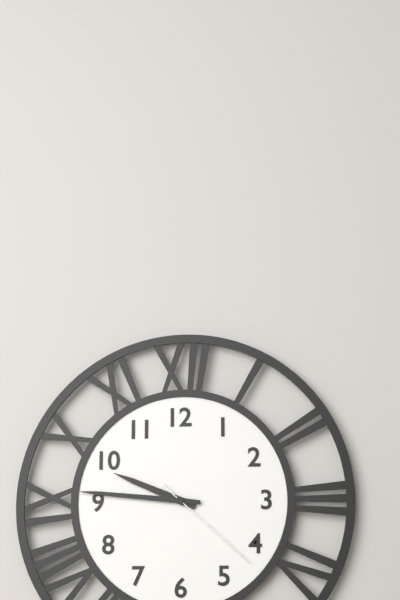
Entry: h=9 m=46 s=22
